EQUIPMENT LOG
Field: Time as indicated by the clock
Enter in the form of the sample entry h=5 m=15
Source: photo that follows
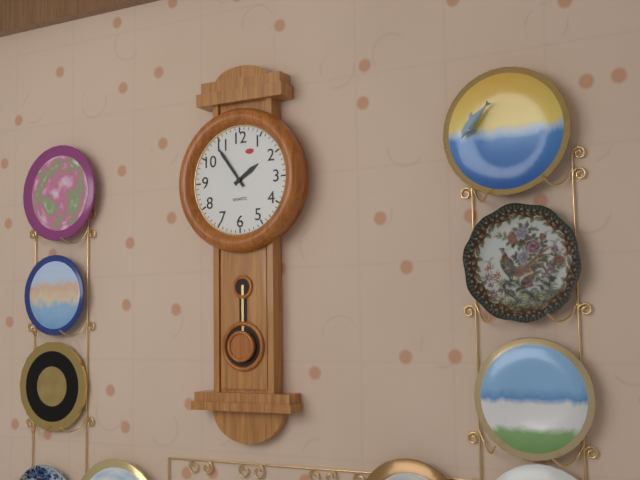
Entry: h=1 m=54
